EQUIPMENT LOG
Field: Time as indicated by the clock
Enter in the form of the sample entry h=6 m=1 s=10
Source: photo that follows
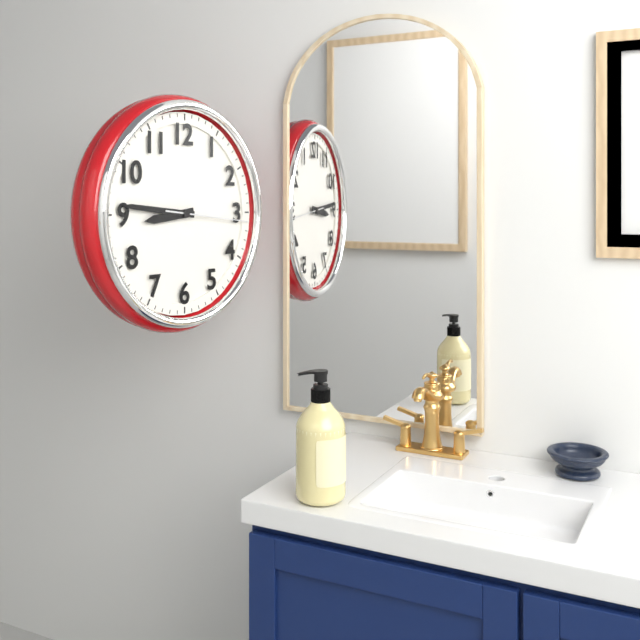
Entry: h=8 m=46 s=16
